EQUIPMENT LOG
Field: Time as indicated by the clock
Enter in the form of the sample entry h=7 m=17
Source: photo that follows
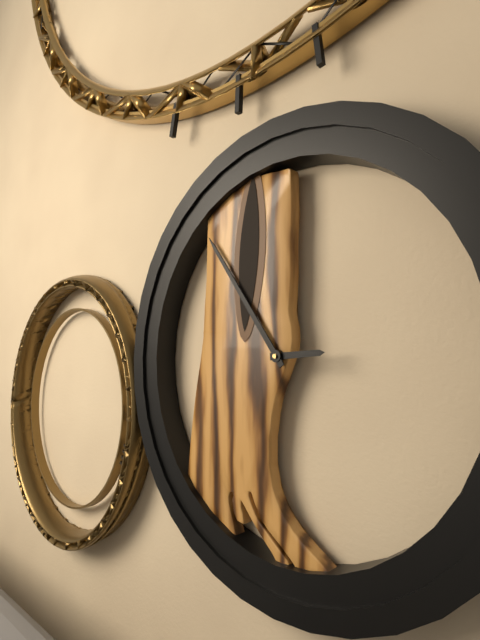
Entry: h=2 m=54
